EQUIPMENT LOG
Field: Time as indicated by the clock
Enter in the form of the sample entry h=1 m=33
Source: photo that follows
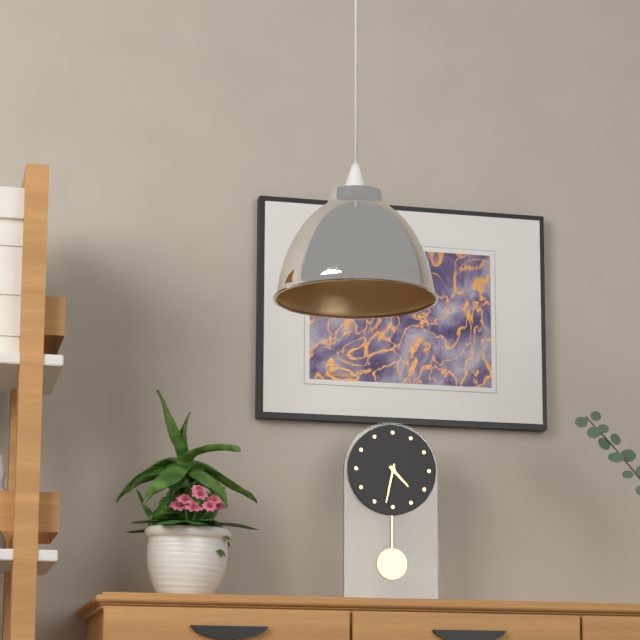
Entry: h=4 m=32
